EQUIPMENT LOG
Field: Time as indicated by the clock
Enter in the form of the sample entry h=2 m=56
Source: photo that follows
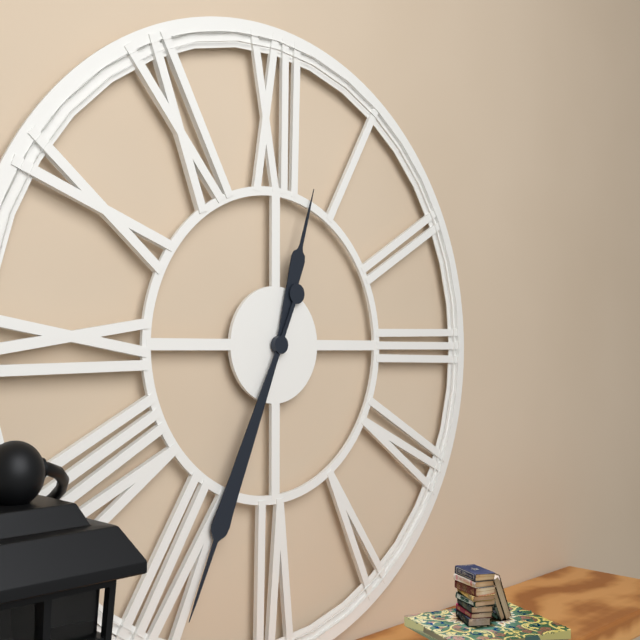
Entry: h=12 m=34
